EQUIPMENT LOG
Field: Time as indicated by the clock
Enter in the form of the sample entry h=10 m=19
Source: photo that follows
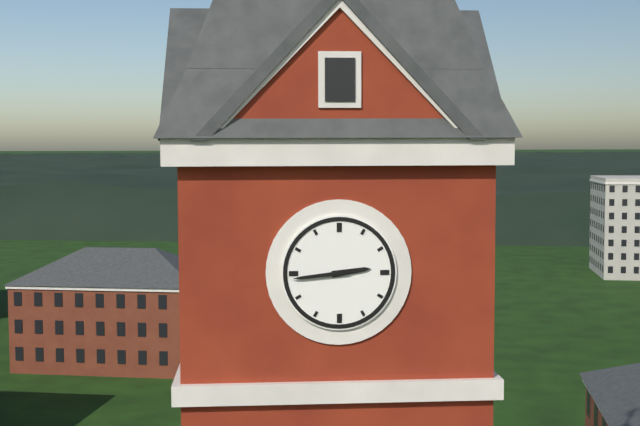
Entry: h=2 m=44
